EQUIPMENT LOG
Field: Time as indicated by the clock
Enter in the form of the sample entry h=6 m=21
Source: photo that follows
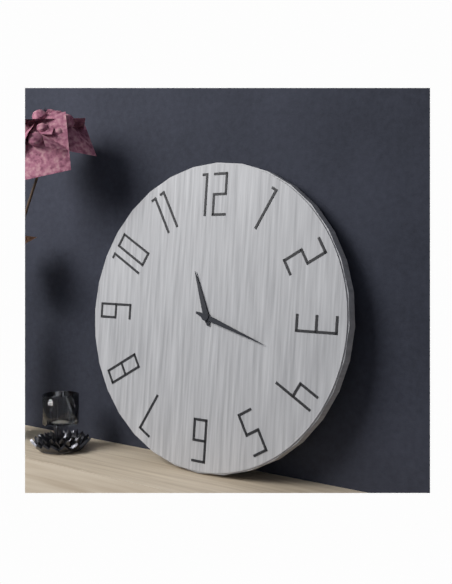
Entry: h=11 m=18
